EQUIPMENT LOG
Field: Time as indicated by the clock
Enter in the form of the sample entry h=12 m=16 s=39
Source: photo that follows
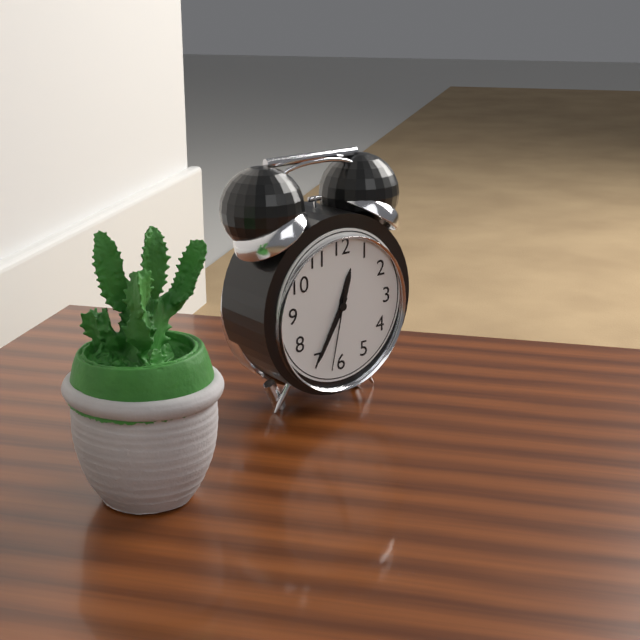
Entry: h=12 m=35 s=32
